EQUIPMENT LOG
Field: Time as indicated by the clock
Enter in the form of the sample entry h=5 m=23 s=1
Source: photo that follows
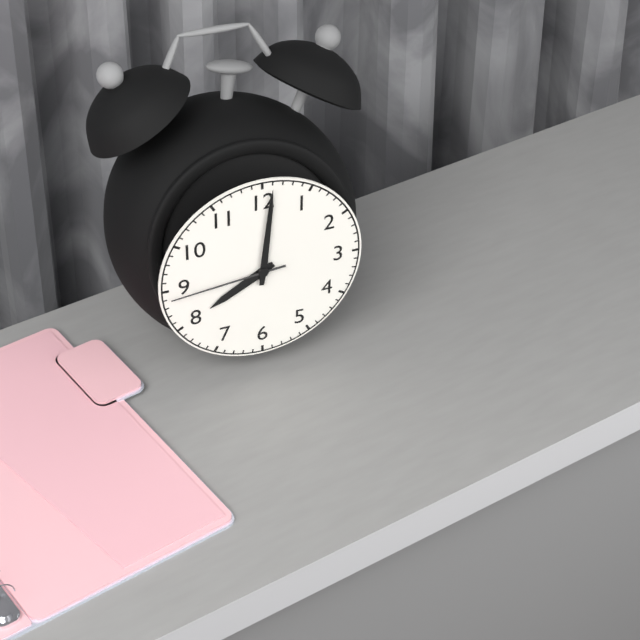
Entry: h=8 m=1 s=44
